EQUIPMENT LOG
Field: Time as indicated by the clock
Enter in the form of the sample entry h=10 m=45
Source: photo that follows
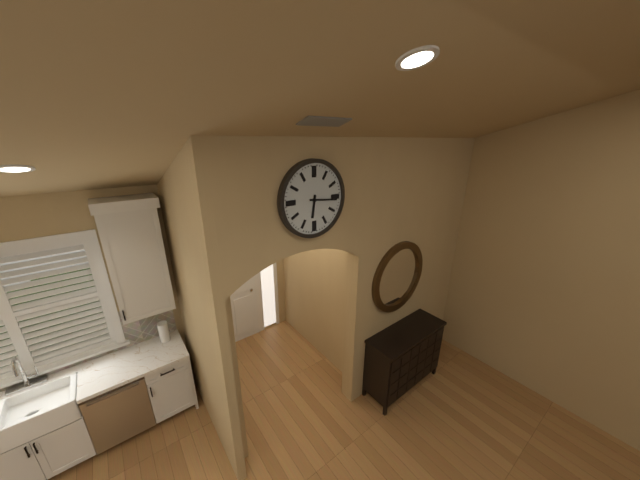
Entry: h=6 m=16
